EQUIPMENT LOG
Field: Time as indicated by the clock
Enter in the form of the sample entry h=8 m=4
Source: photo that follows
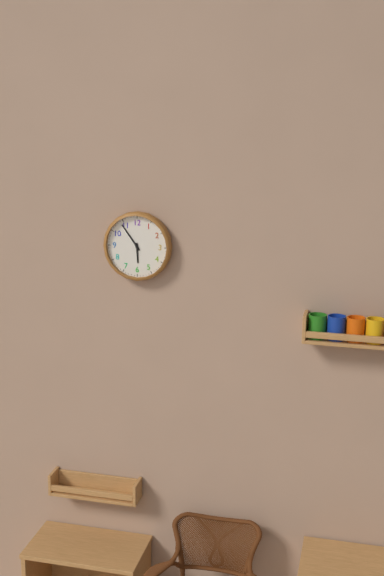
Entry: h=5 m=54
